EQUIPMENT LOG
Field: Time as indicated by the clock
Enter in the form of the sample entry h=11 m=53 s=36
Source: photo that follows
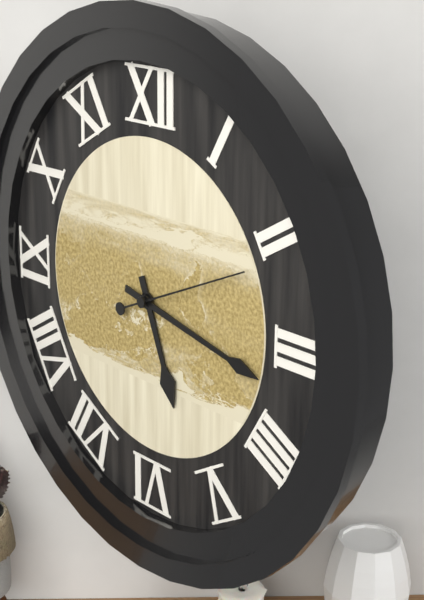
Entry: h=5 m=17 s=11
